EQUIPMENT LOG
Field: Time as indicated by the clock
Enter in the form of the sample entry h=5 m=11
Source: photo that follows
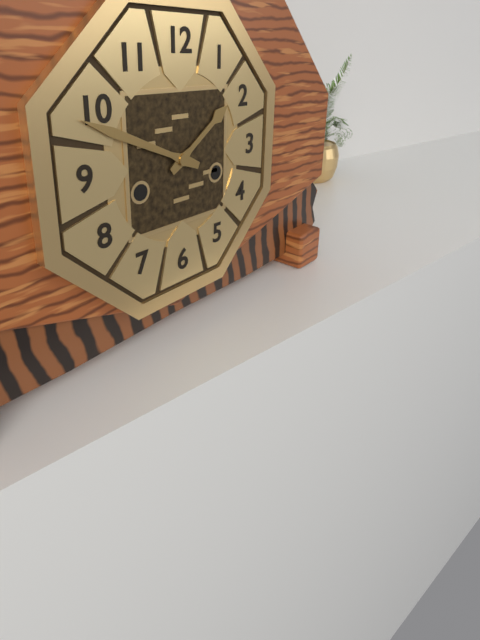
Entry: h=1 m=49
